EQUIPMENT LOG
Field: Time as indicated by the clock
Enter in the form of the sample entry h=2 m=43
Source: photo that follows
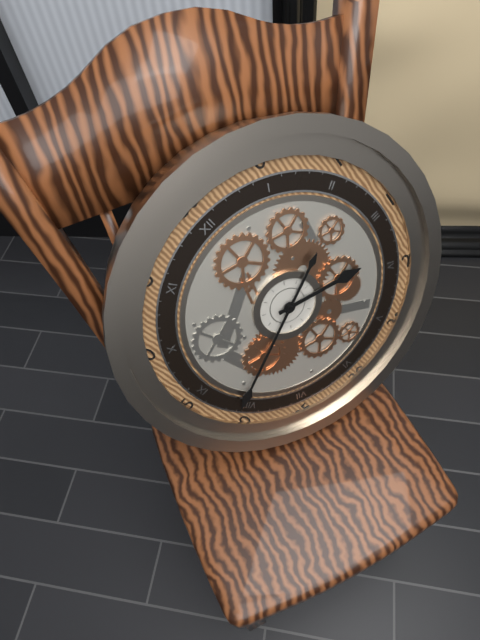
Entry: h=3 m=41
